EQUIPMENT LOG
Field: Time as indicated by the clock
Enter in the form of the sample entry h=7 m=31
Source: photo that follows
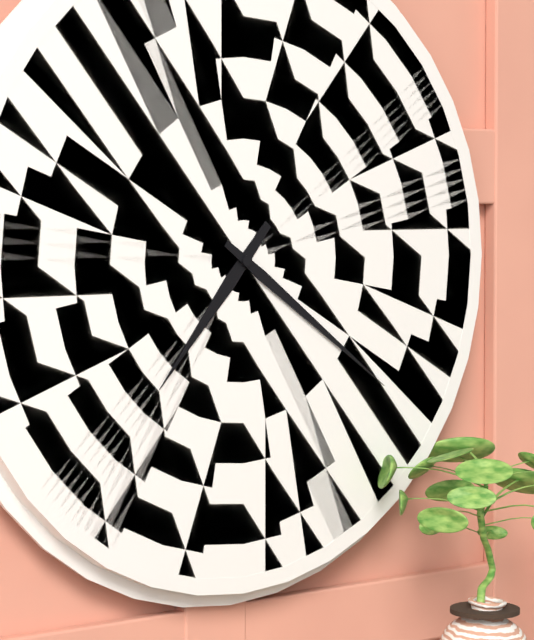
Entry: h=7 m=21
